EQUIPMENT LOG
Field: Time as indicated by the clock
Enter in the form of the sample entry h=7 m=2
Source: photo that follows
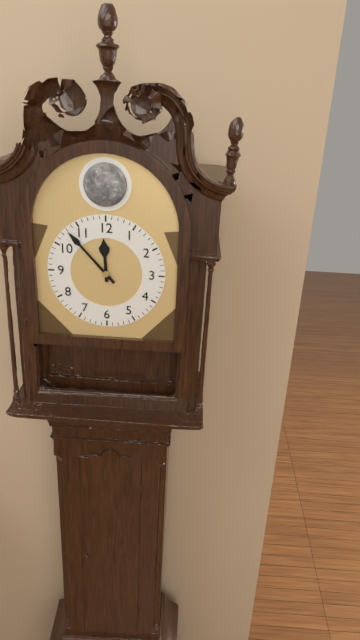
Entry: h=11 m=53
